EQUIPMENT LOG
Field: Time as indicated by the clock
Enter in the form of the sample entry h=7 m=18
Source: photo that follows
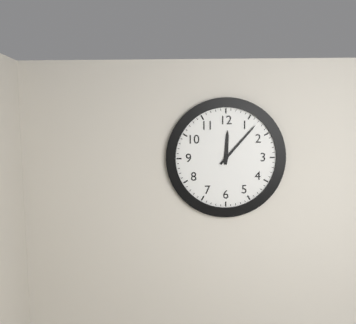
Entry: h=12 m=7
